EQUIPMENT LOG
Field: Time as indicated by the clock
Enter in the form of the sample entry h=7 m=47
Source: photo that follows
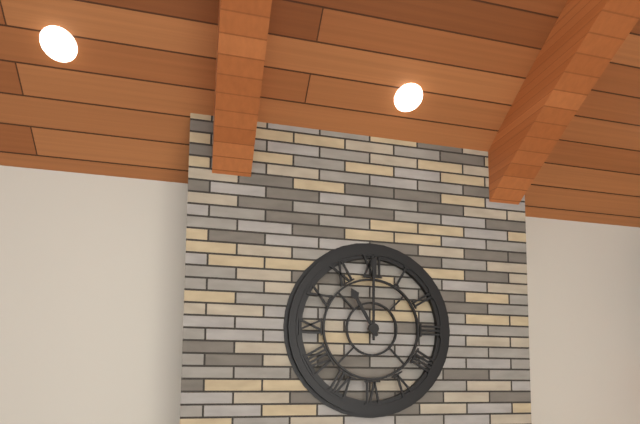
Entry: h=11 m=0
